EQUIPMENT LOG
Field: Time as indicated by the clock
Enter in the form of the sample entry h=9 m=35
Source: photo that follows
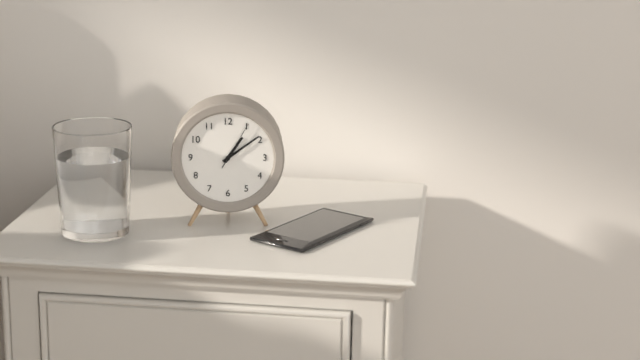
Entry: h=1 m=9
